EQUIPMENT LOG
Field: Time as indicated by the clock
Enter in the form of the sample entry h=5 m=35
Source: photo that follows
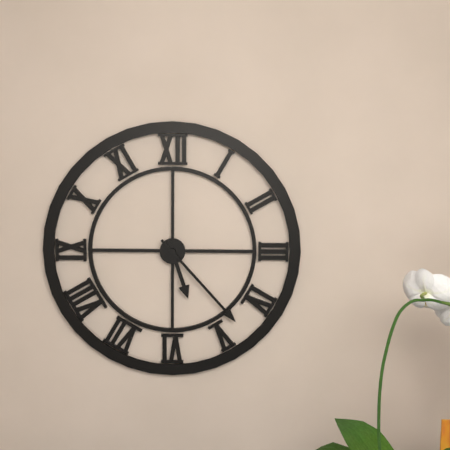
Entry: h=5 m=23
